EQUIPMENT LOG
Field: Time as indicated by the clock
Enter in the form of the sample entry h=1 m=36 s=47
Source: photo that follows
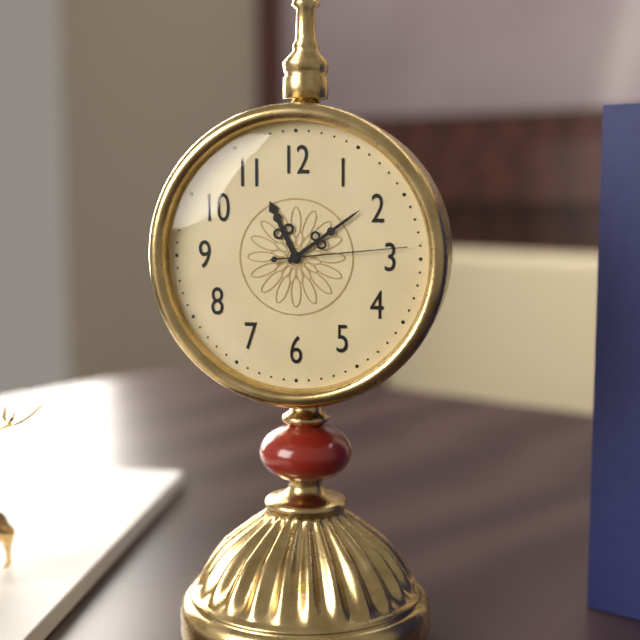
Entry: h=11 m=9 s=14
